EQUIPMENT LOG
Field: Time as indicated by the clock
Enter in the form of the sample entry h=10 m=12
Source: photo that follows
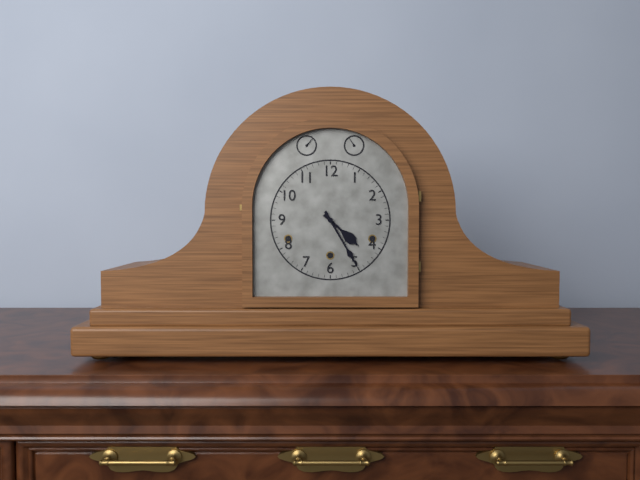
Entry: h=4 m=25
